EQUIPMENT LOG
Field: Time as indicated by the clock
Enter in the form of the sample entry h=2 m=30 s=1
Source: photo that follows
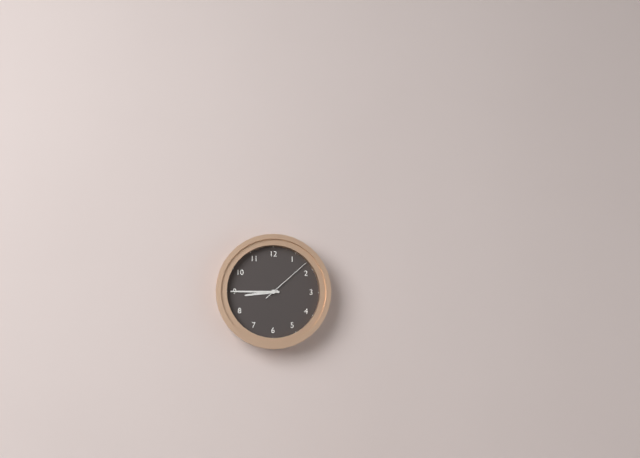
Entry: h=8 m=45 s=8
